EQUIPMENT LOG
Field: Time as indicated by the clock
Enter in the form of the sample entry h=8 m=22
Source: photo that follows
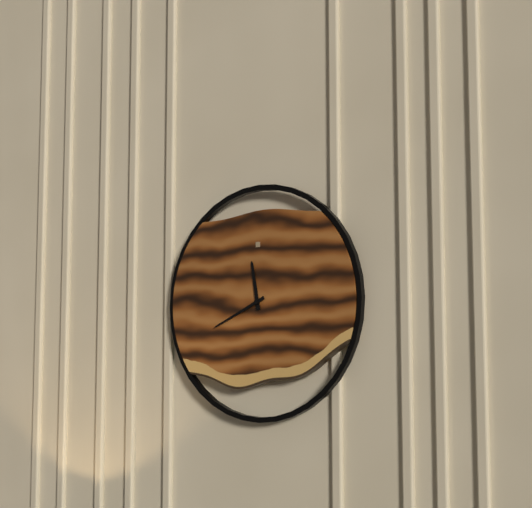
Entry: h=11 m=41
